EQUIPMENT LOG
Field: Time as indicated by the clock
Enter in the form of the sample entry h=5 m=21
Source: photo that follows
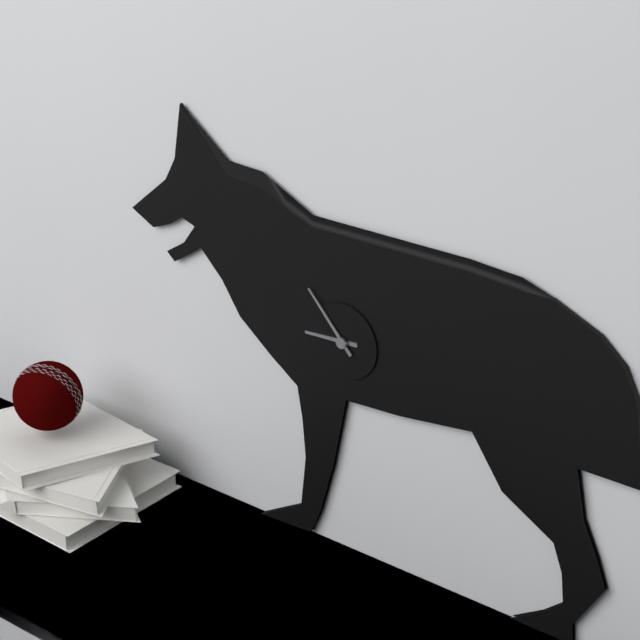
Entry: h=8 m=53
